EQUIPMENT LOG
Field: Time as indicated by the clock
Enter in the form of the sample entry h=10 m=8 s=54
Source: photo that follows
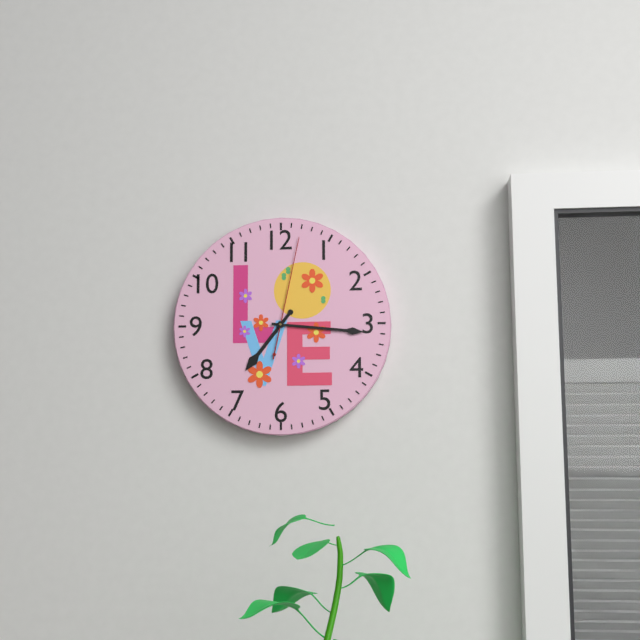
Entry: h=7 m=16 s=2
